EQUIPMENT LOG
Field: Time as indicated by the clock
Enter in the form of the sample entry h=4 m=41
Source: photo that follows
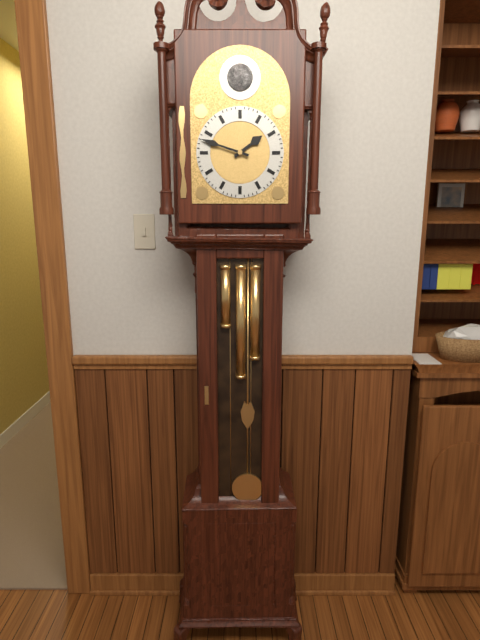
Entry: h=1 m=48
